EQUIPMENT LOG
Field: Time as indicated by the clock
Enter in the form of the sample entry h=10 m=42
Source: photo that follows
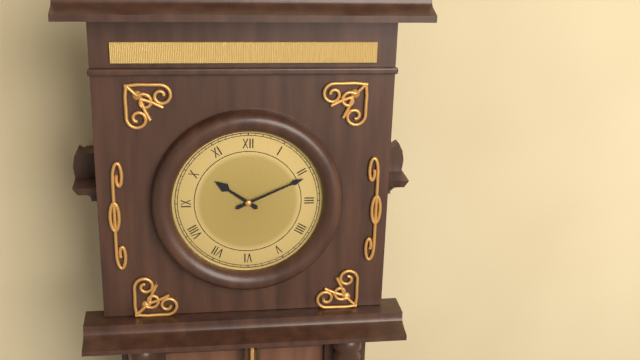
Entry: h=10 m=11
